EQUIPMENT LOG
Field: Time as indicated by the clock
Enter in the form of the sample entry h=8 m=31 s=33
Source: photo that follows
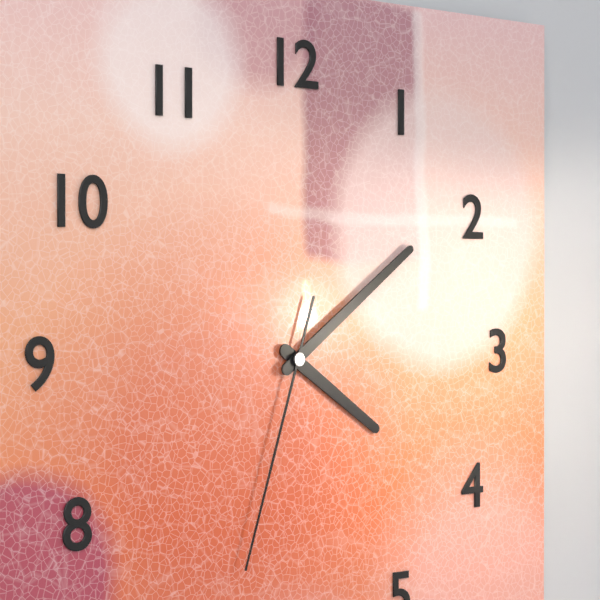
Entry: h=4 m=9 s=33
